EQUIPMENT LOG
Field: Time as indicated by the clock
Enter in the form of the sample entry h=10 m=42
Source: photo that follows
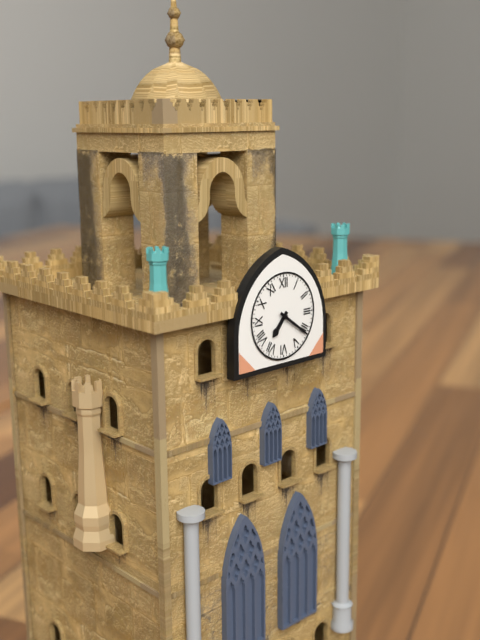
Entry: h=7 m=21
